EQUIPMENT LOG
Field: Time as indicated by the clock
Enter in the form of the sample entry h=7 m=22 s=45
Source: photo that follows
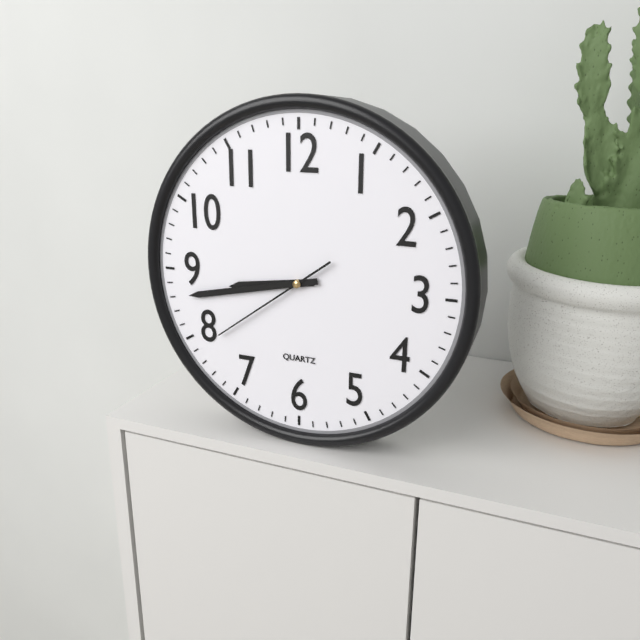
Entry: h=8 m=43 s=39
